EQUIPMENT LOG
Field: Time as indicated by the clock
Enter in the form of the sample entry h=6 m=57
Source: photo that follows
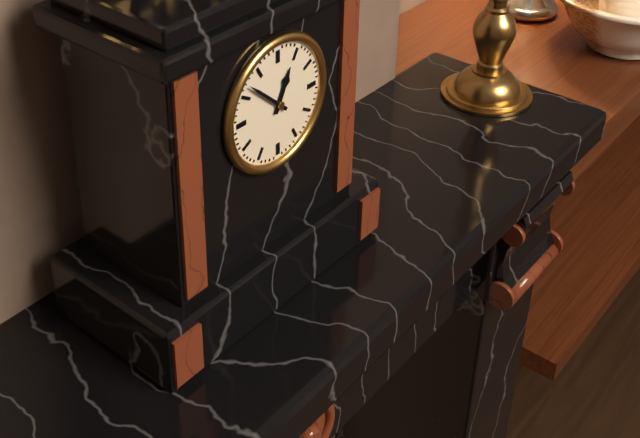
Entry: h=12 m=52
